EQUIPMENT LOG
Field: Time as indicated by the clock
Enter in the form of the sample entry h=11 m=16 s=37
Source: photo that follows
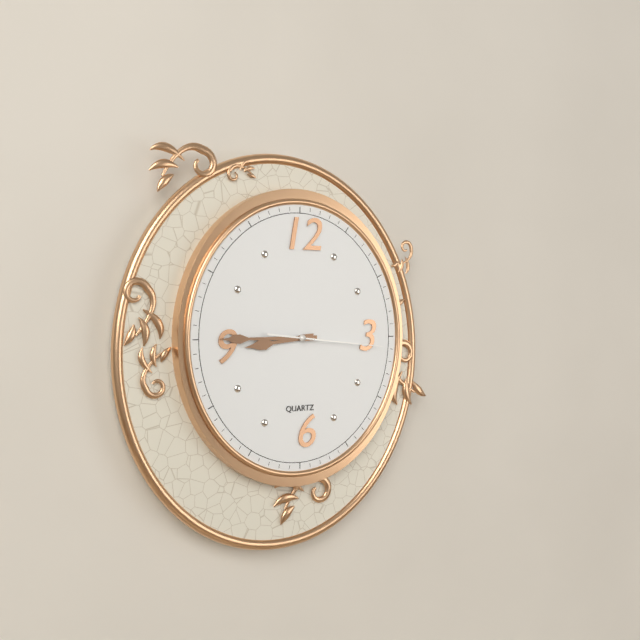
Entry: h=8 m=45 s=16
